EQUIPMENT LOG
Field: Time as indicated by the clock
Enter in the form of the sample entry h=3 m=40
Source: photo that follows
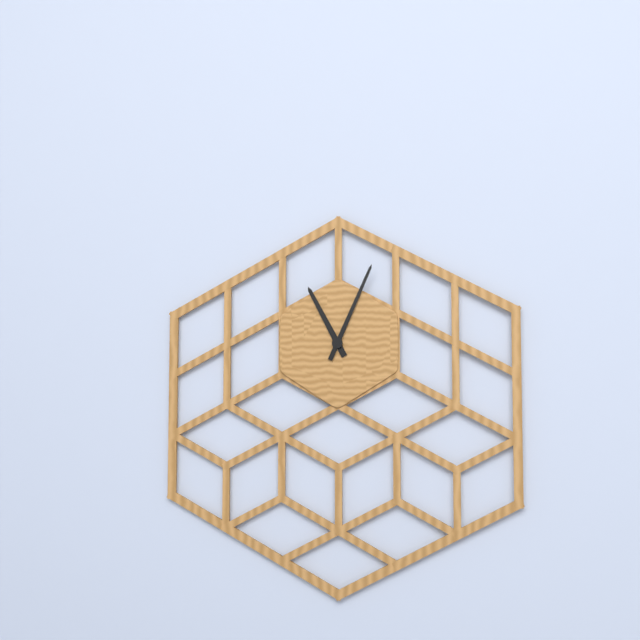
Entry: h=11 m=4
